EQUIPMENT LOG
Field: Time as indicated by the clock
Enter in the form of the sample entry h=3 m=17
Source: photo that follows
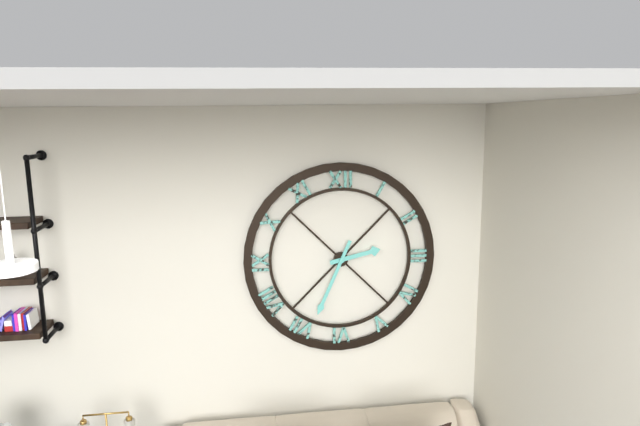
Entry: h=2 m=34
